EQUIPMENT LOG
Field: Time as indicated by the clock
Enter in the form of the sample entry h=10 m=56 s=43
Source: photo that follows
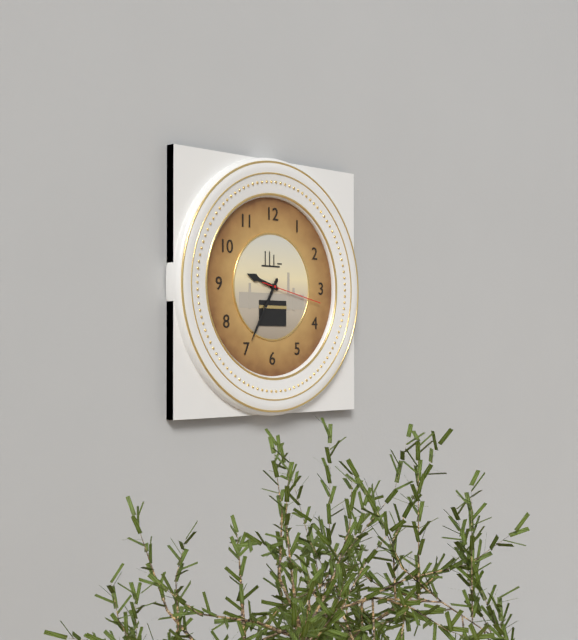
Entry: h=9 m=35 s=17
